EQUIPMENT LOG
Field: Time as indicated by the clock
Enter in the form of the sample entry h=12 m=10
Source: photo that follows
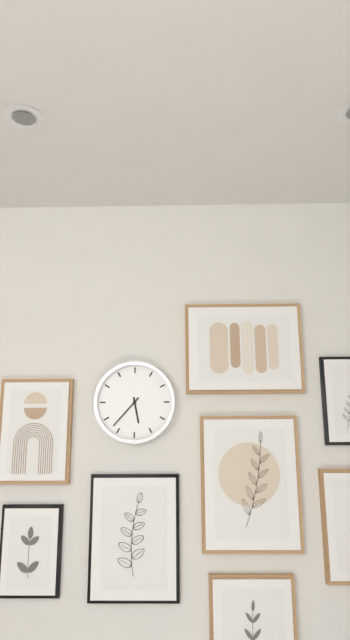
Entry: h=5 m=37
